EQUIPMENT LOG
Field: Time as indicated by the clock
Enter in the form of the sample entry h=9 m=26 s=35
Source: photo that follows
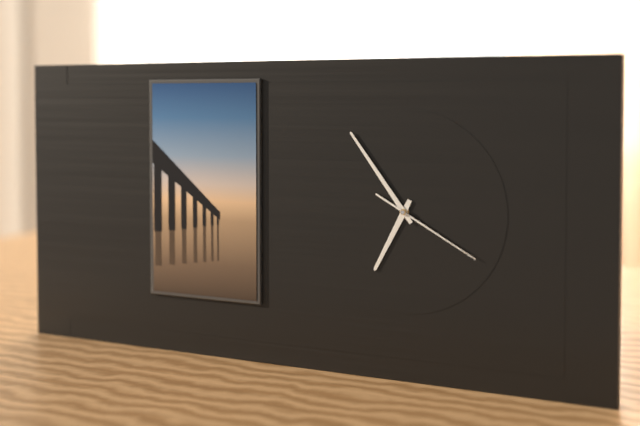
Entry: h=6 m=54 s=20
